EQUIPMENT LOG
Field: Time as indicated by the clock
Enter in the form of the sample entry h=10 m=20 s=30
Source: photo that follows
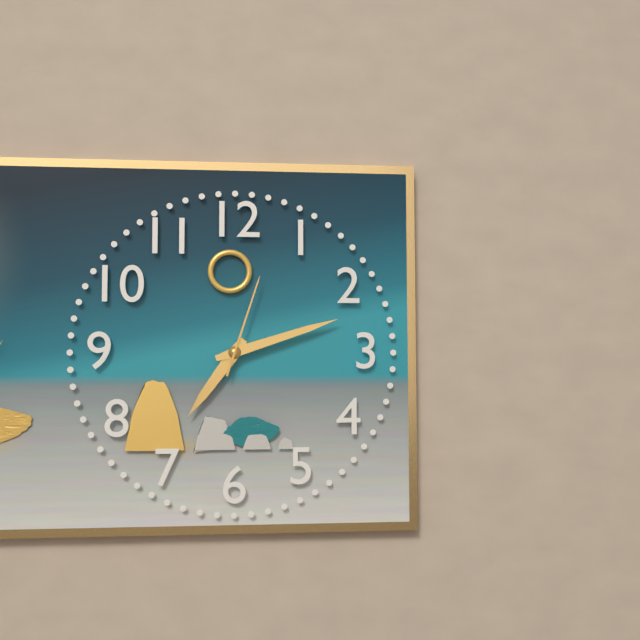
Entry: h=7 m=12 s=3
